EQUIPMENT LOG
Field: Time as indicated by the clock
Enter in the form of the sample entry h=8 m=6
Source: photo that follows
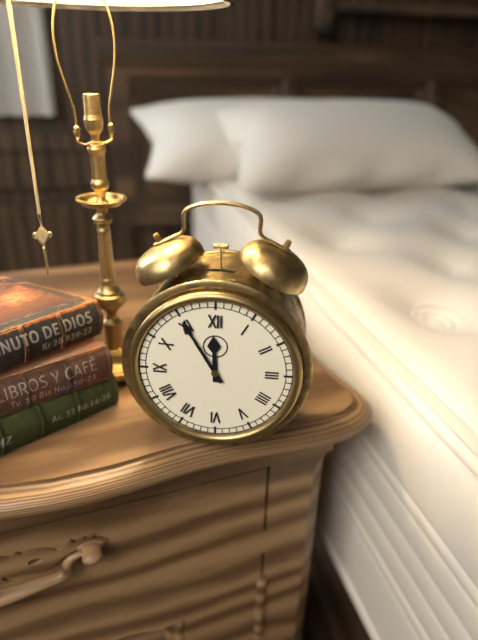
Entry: h=11 m=55
